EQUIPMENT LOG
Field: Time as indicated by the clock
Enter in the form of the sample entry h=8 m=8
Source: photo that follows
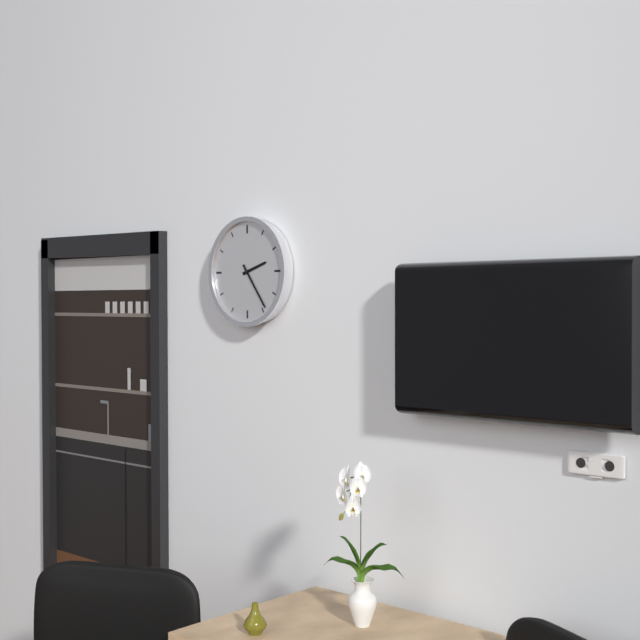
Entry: h=2 m=24
